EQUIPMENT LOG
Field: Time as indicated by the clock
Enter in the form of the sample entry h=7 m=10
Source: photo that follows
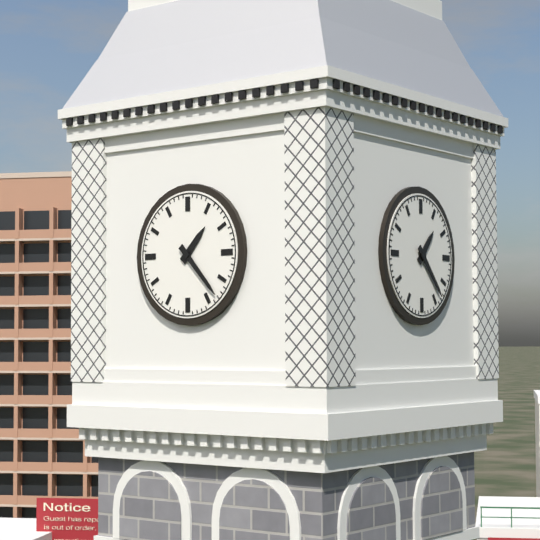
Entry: h=1 m=23
